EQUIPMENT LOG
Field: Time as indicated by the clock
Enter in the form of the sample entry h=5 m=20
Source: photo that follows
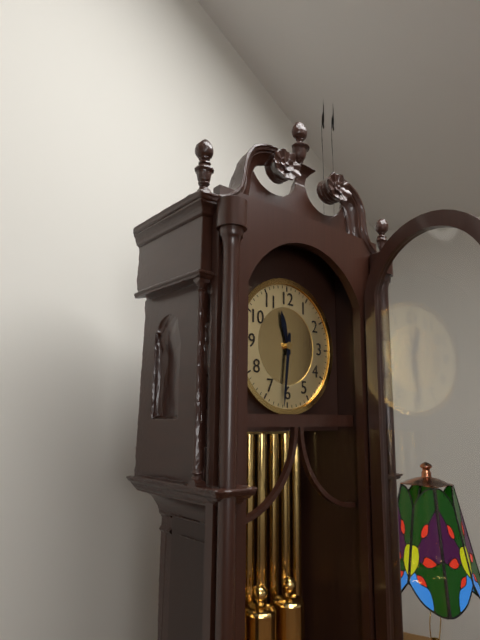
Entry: h=11 m=31
